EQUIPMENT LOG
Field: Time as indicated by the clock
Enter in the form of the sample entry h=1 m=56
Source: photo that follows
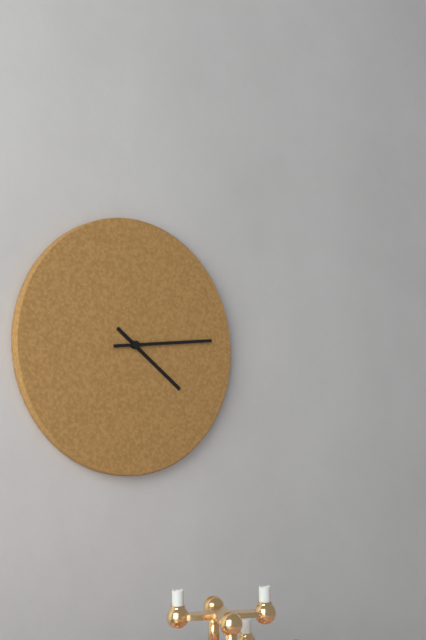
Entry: h=4 m=14
